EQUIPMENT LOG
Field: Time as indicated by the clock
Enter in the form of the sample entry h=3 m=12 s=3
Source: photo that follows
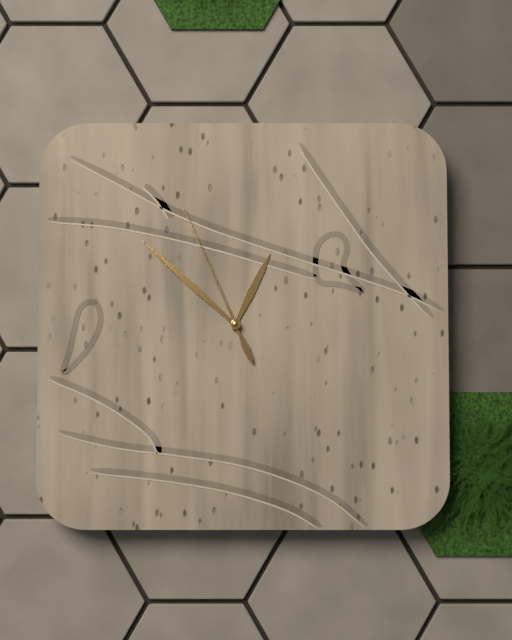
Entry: h=12 m=52 s=56
